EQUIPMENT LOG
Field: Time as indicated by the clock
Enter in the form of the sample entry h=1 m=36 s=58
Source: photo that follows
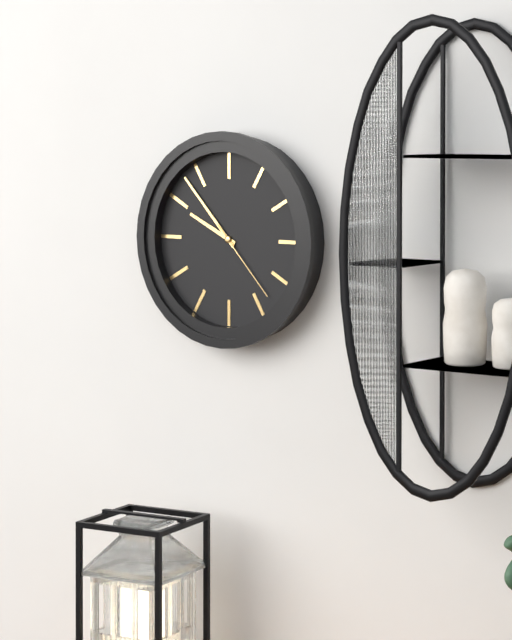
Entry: h=9 m=53 s=23
